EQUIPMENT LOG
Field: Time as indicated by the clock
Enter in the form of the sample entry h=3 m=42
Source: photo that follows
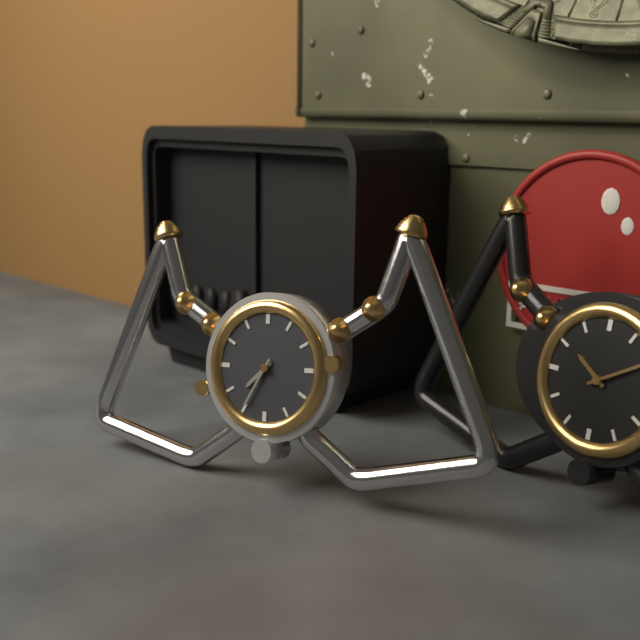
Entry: h=7 m=35
